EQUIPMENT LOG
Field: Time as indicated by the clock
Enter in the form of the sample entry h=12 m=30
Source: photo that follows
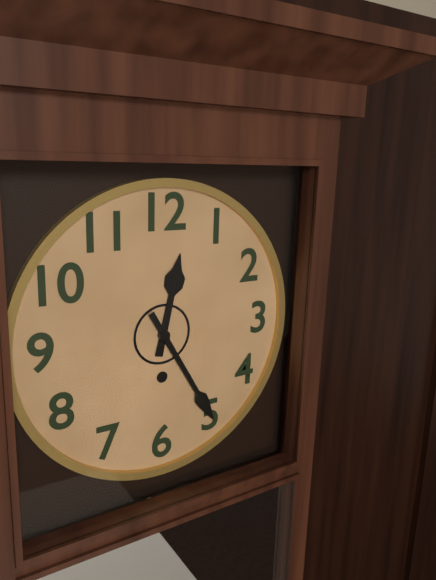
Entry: h=12 m=25
